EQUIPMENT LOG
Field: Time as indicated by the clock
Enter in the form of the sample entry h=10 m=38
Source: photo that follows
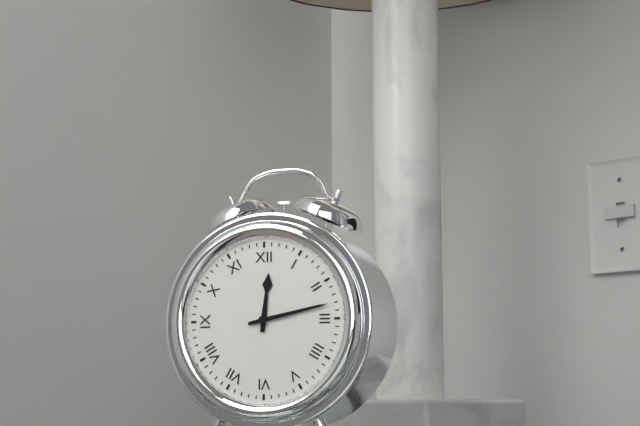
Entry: h=12 m=13
